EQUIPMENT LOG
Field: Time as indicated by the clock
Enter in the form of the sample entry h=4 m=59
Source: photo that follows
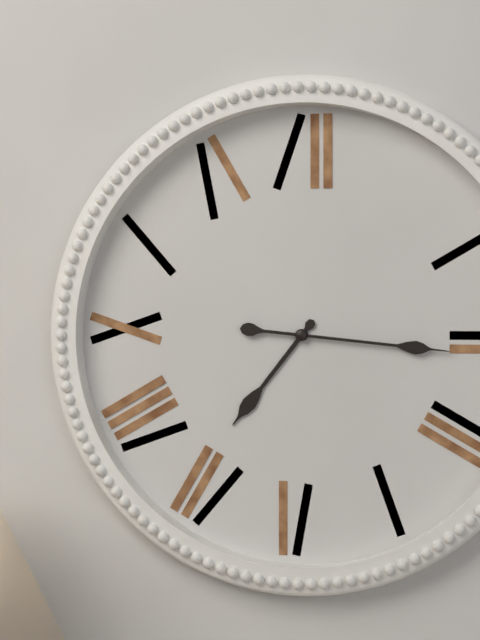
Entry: h=7 m=16
